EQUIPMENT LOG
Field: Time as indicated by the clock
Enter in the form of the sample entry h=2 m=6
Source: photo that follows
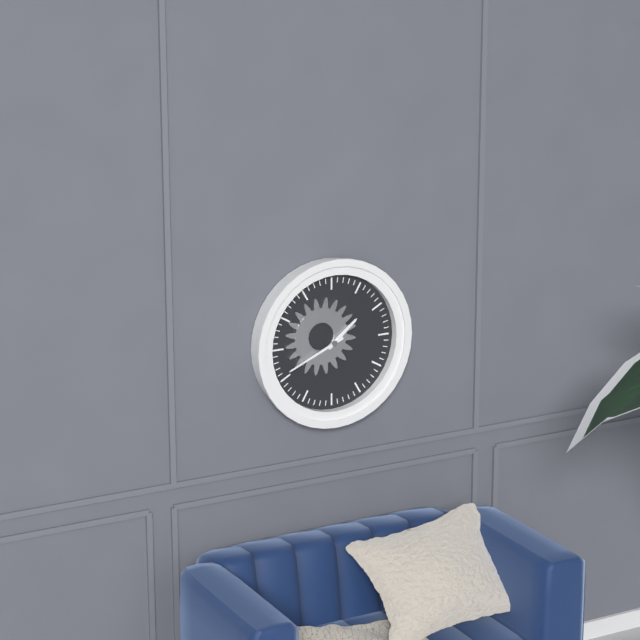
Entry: h=1 m=41
